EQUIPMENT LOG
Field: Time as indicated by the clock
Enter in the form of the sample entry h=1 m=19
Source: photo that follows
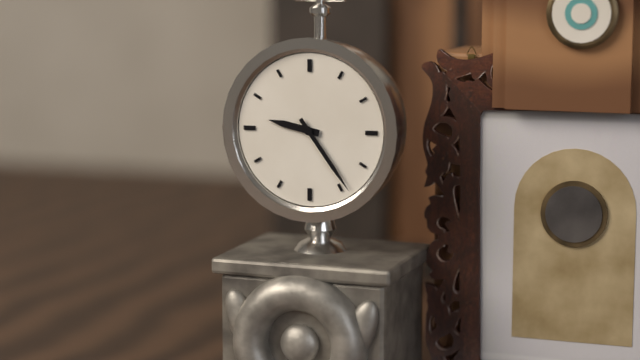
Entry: h=9 m=24
